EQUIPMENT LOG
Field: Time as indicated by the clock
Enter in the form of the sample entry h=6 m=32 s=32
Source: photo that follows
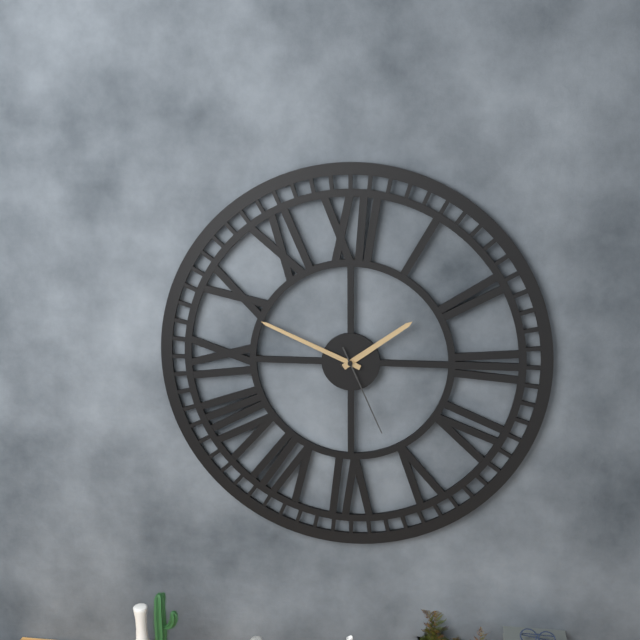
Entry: h=1 m=49 s=26
